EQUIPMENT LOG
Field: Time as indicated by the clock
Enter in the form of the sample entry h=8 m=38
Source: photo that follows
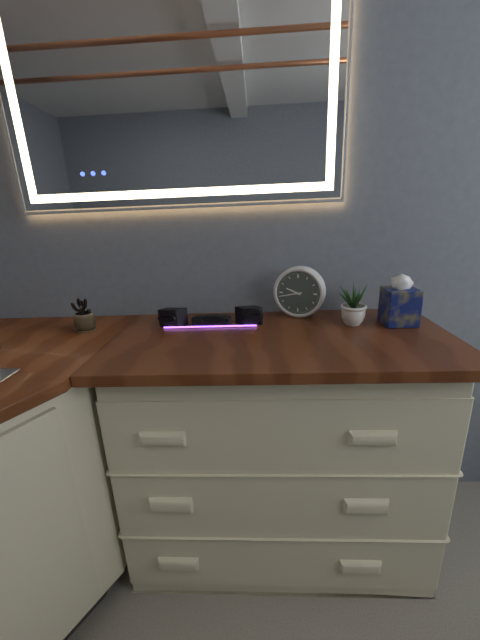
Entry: h=9 m=43
